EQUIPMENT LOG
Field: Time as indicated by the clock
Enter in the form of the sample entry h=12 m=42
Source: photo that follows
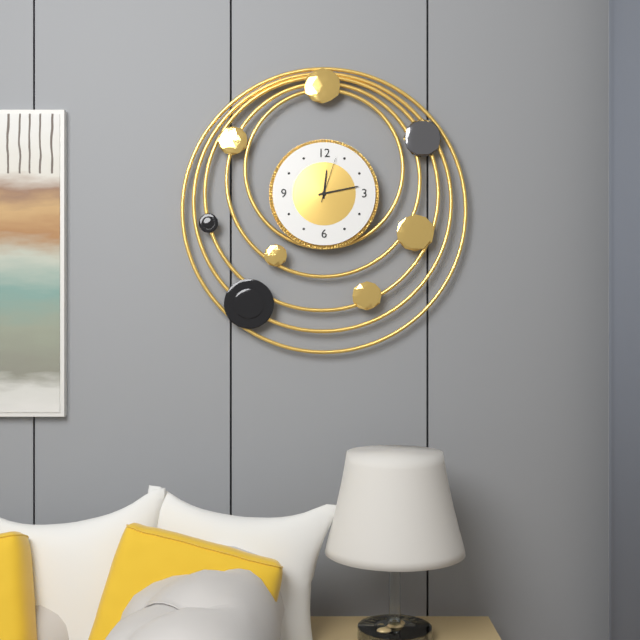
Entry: h=12 m=13
